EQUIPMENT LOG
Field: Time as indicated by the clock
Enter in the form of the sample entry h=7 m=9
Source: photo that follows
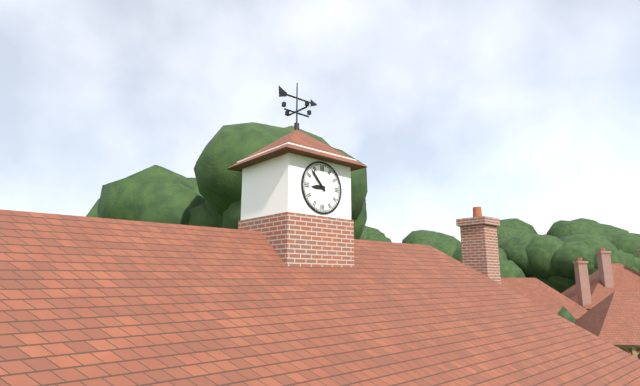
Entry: h=8 m=53
